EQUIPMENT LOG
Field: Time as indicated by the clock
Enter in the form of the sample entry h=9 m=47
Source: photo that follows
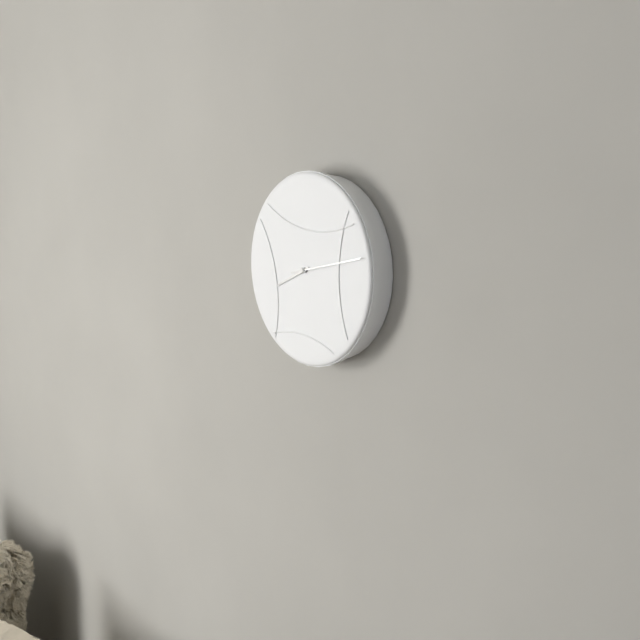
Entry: h=8 m=13
